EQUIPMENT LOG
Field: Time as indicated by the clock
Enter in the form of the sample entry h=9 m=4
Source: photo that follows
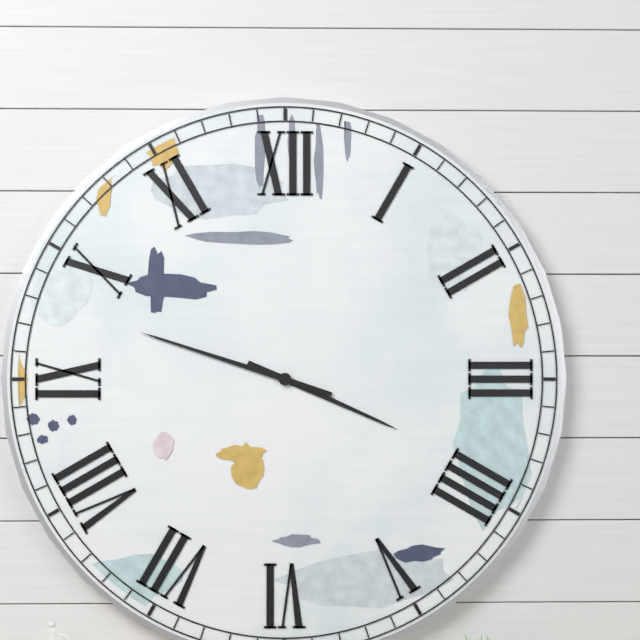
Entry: h=3 m=48
